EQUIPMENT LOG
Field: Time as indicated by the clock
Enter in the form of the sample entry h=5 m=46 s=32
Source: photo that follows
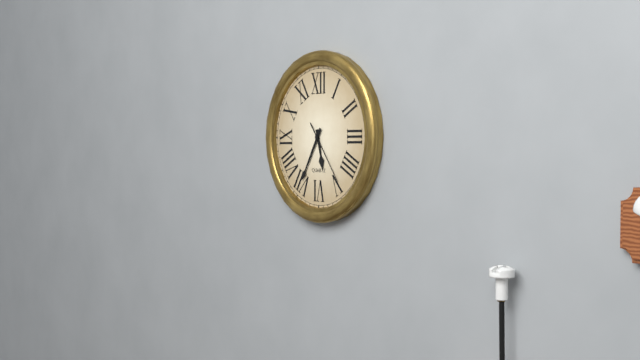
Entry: h=5 m=35 s=24
